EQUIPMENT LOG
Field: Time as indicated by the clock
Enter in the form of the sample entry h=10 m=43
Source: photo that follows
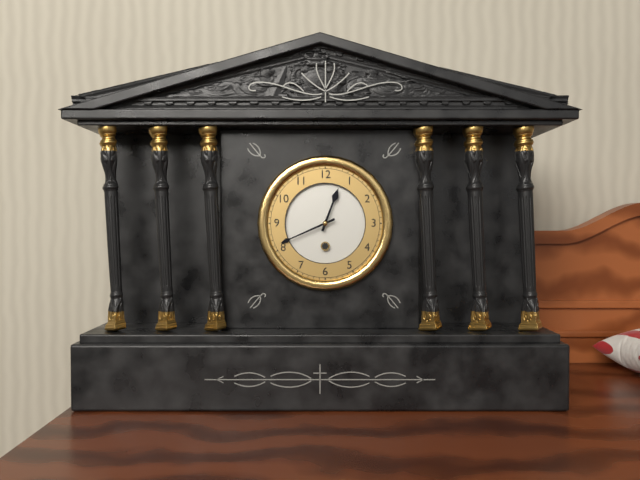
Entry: h=12 m=41
